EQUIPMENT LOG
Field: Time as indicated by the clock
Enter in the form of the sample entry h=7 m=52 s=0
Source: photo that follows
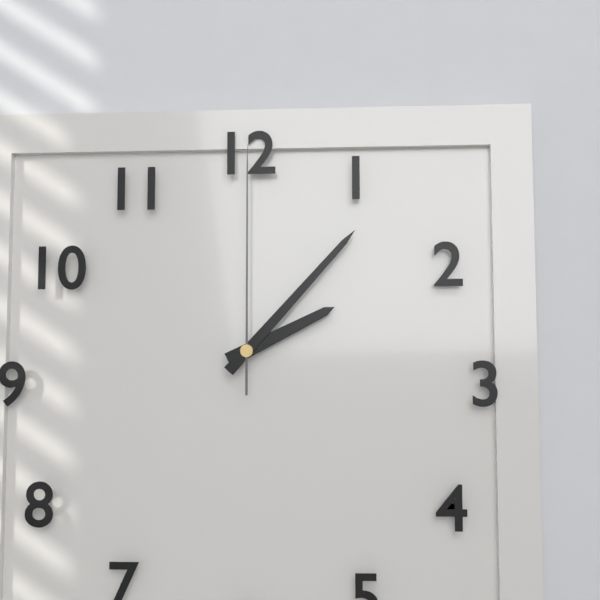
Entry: h=2 m=7 s=0
